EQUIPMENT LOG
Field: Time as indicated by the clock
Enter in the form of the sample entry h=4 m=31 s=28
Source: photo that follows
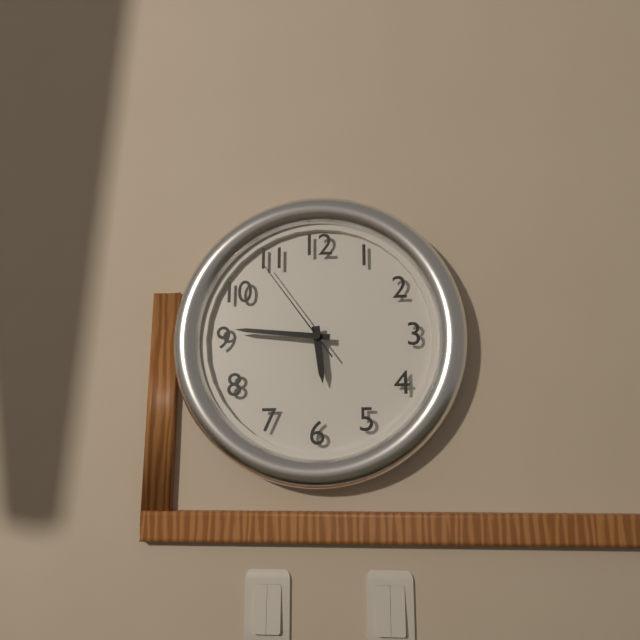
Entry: h=5 m=46 s=54
